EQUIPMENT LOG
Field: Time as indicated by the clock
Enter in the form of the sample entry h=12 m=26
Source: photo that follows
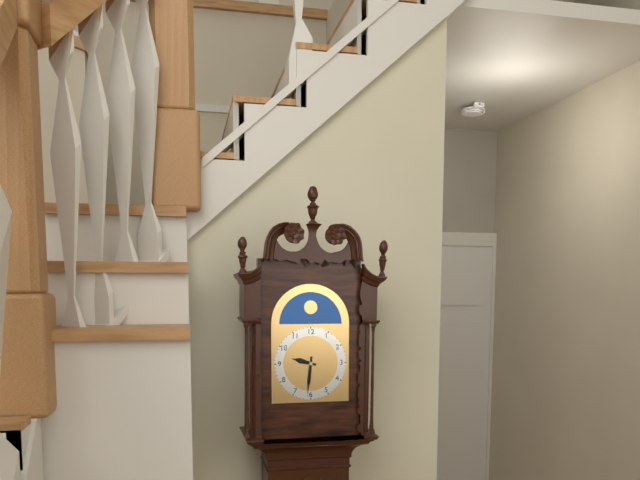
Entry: h=9 m=31
